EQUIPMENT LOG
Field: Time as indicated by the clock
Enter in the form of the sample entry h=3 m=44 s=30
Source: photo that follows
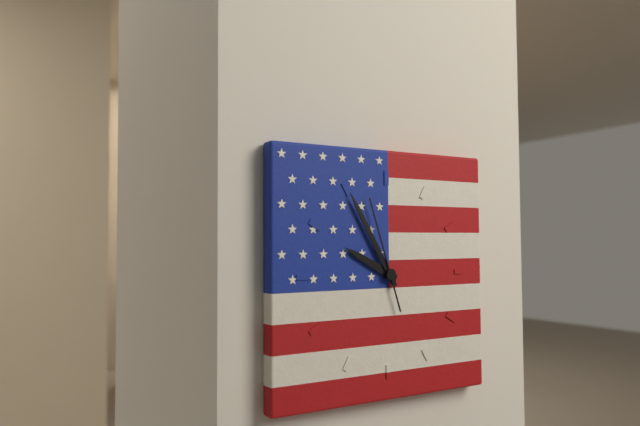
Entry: h=9 m=55 s=57
